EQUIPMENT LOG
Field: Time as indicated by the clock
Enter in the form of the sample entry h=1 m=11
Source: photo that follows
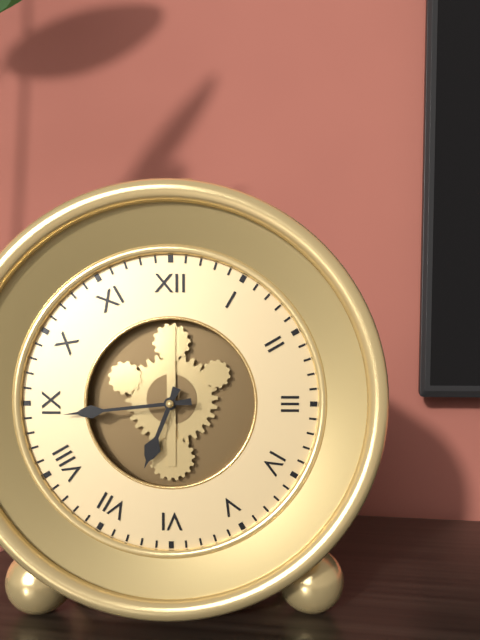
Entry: h=6 m=44
